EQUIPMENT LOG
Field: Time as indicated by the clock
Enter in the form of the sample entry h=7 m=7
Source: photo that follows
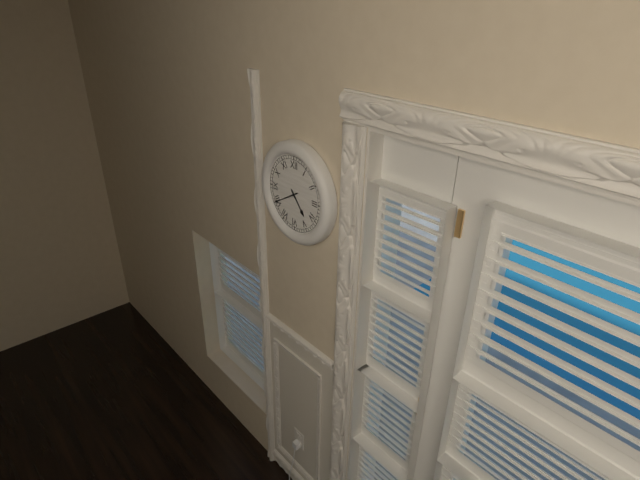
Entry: h=4 m=40
